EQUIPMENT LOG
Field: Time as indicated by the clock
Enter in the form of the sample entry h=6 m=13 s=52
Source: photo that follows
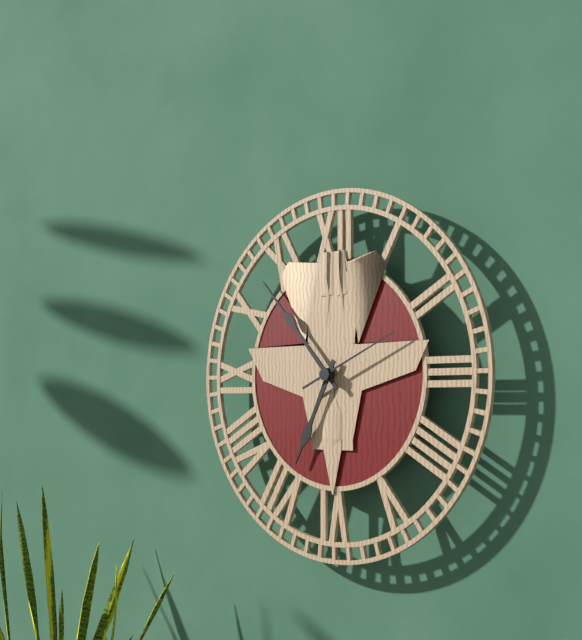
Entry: h=6 m=53 s=11
